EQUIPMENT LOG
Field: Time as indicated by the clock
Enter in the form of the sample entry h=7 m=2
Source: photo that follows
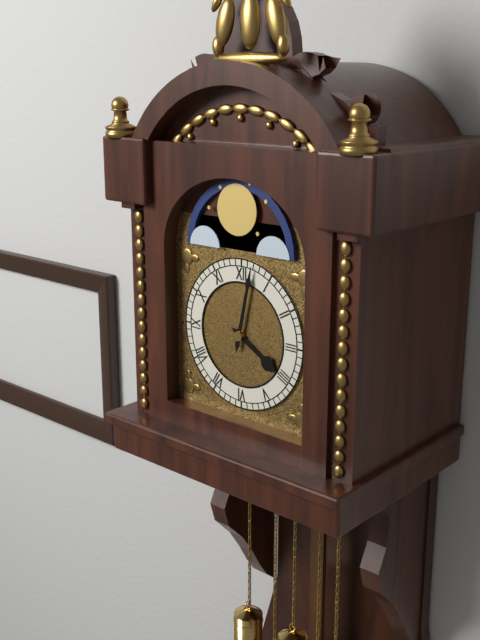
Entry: h=4 m=2
